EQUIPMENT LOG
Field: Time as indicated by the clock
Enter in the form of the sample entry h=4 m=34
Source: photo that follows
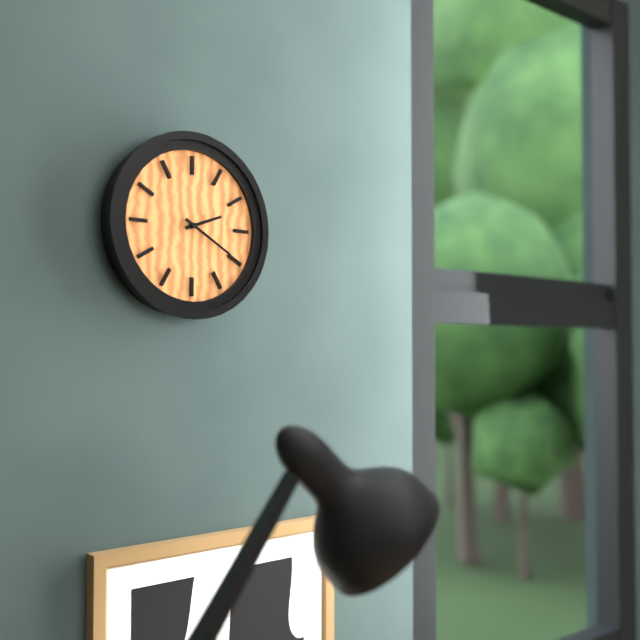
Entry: h=2 m=20
